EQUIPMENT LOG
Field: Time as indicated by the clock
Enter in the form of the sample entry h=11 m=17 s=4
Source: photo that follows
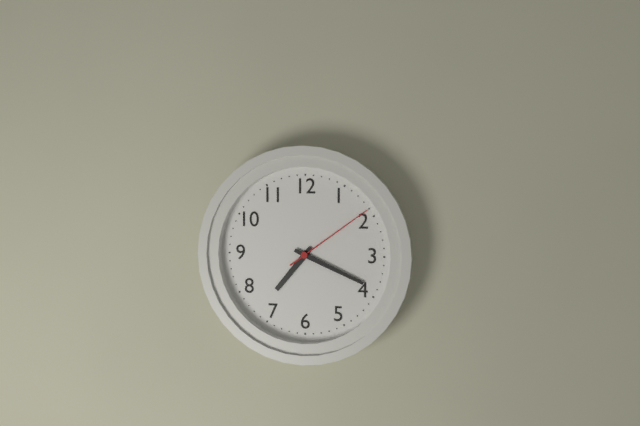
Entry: h=7 m=19 s=9
